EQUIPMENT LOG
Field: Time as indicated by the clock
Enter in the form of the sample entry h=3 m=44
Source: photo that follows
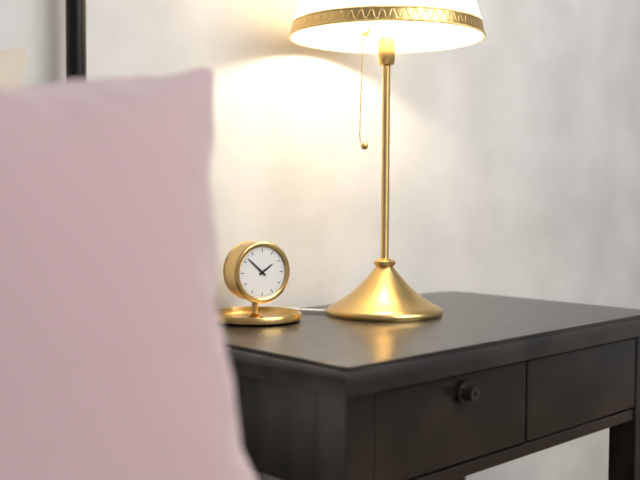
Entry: h=1 m=52
